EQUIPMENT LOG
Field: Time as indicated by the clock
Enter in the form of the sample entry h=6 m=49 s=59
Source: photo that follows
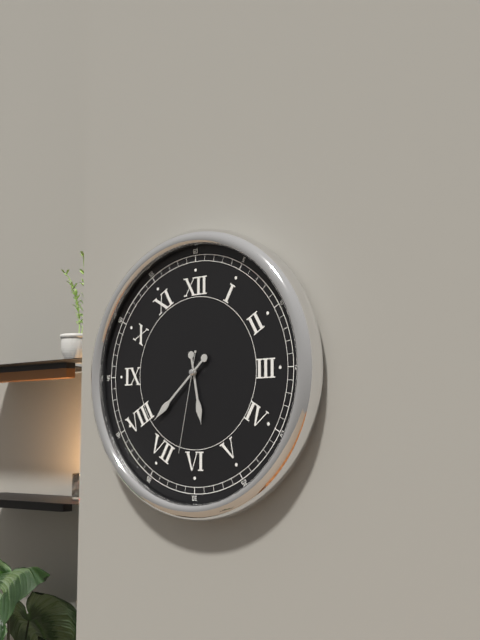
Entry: h=5 m=38 s=32
